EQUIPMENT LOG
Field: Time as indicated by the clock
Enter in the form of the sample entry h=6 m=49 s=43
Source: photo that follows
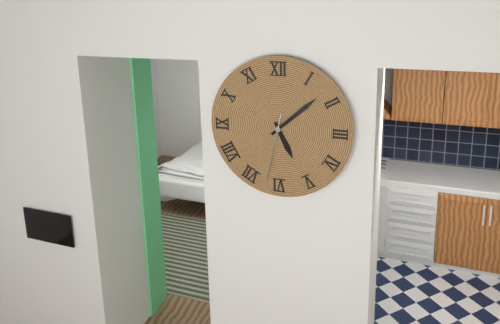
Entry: h=5 m=8 s=32
